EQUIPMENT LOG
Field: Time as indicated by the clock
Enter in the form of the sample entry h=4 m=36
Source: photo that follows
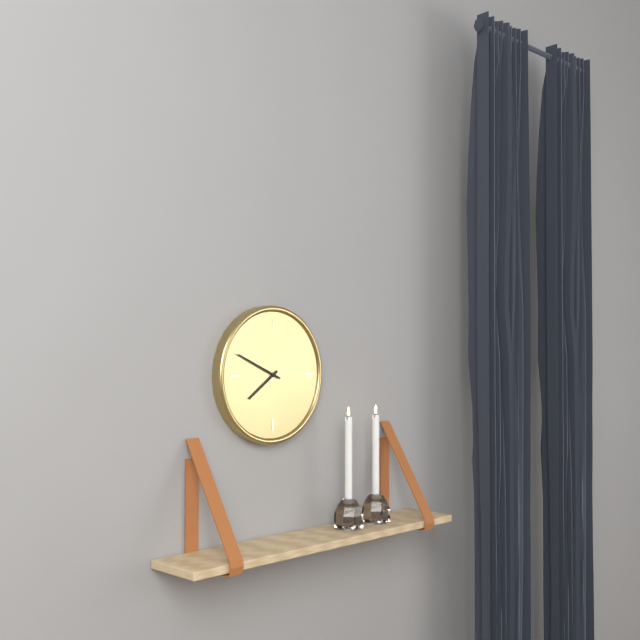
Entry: h=7 m=49
